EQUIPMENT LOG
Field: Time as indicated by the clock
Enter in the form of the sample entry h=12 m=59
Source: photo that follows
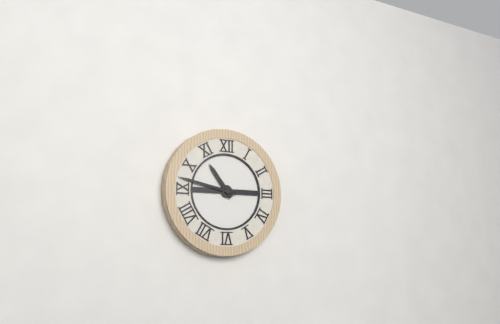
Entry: h=10 m=47
